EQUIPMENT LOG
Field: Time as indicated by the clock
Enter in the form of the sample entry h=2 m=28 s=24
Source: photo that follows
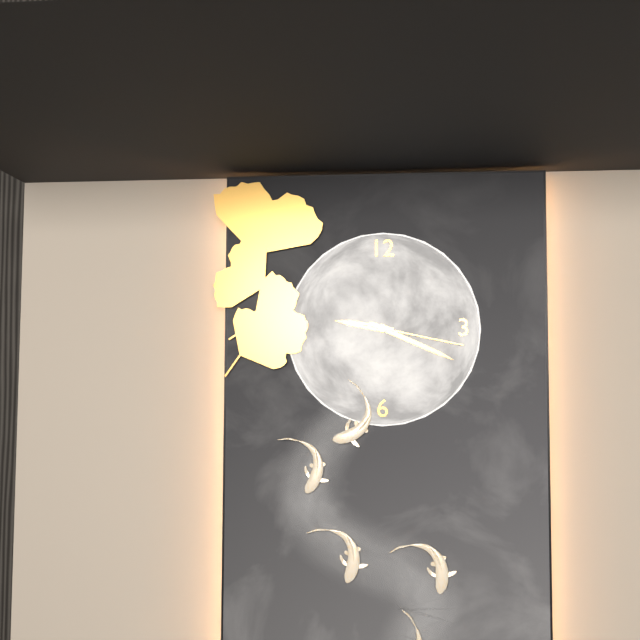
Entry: h=9 m=19 s=17
